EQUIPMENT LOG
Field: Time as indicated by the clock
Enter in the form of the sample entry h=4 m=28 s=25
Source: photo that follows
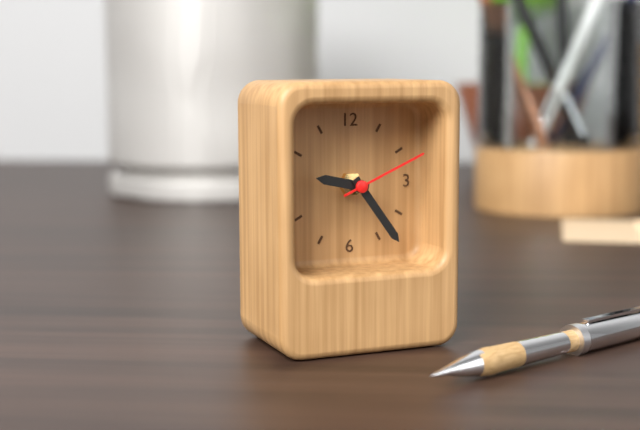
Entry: h=9 m=24 s=11
